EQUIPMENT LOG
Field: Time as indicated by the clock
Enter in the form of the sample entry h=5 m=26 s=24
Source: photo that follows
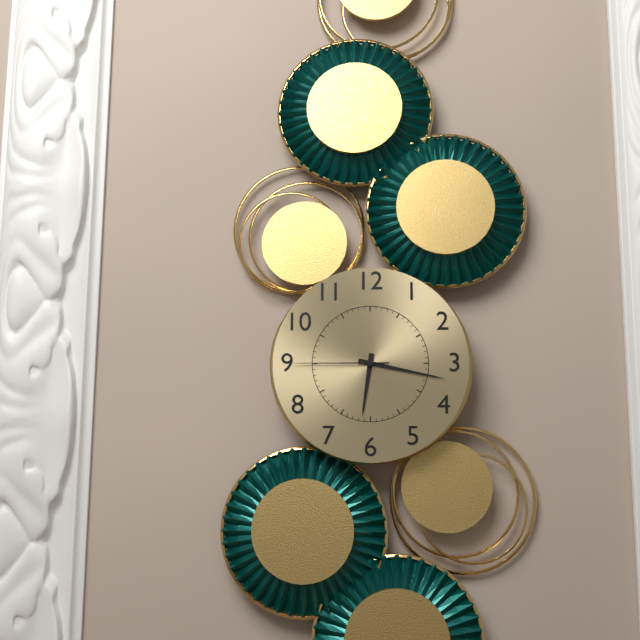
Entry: h=6 m=17 s=45
